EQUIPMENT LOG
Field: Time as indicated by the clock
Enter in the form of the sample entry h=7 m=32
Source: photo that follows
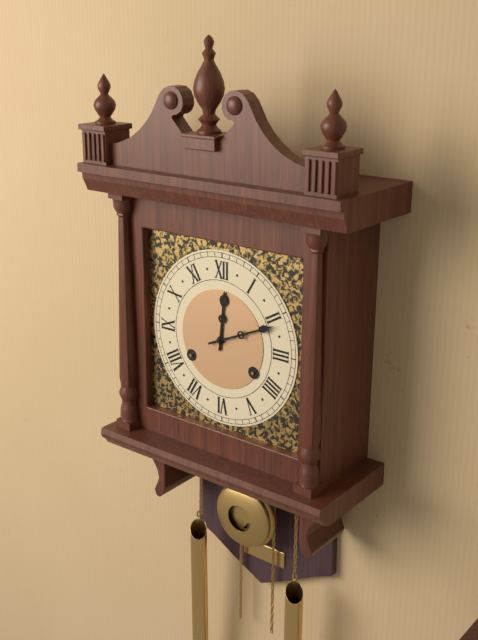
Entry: h=12 m=11
